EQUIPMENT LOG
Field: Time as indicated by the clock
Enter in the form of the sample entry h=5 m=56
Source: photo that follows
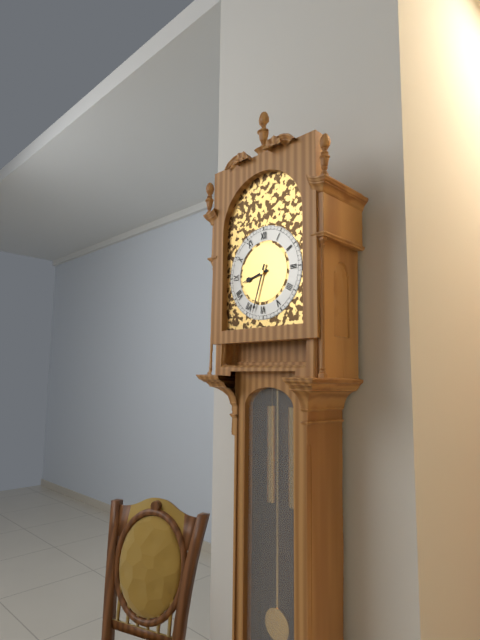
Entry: h=8 m=33
